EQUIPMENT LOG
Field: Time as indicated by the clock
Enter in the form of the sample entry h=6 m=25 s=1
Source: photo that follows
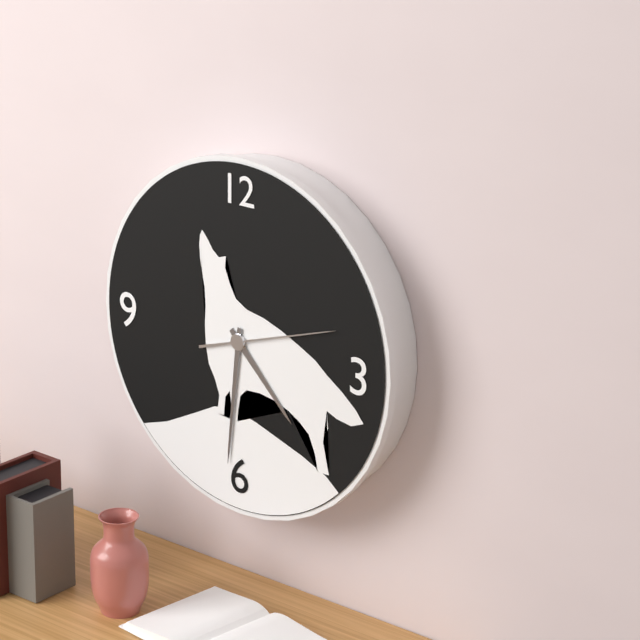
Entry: h=4 m=31 s=12
